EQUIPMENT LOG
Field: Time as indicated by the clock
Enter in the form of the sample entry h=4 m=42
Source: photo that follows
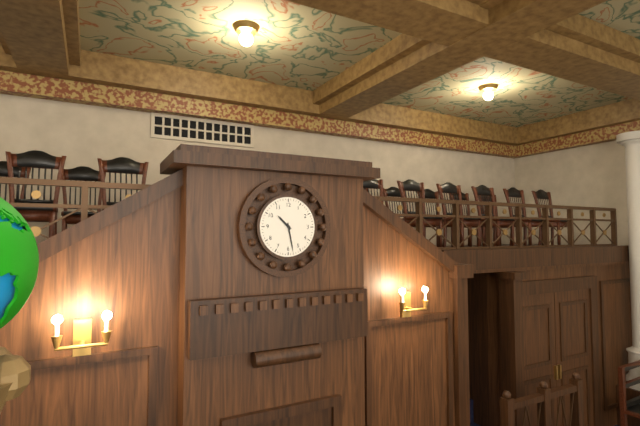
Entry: h=10 m=28
